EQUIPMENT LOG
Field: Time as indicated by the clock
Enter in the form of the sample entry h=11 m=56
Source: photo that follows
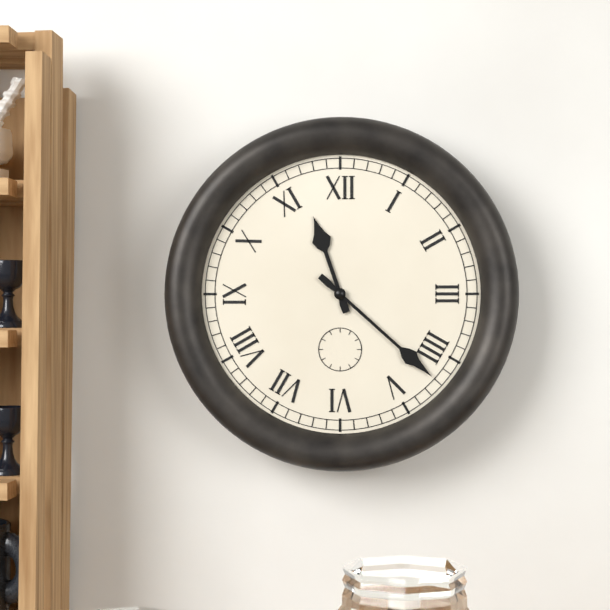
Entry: h=11 m=22
